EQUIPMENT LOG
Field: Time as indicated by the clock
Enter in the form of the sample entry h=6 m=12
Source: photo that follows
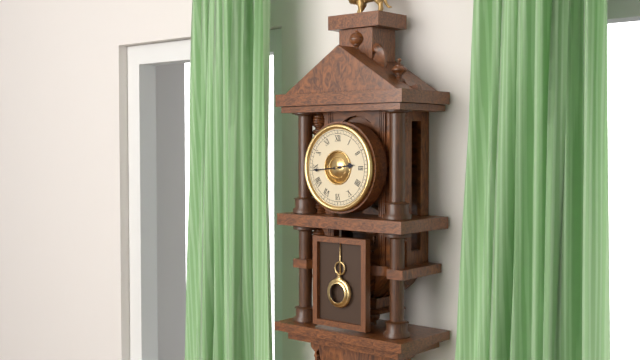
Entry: h=2 m=44
